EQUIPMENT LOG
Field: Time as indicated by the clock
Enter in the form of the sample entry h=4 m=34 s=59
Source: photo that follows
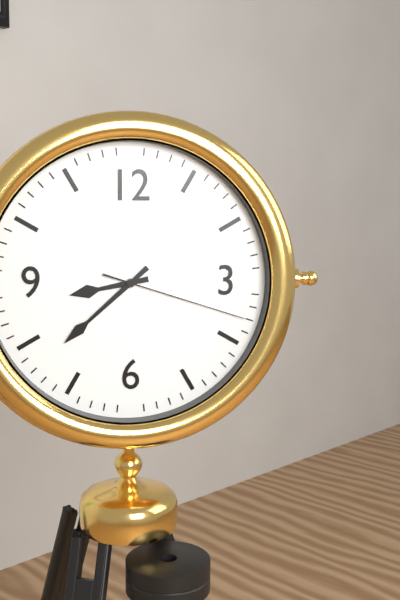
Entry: h=8 m=38 s=18
